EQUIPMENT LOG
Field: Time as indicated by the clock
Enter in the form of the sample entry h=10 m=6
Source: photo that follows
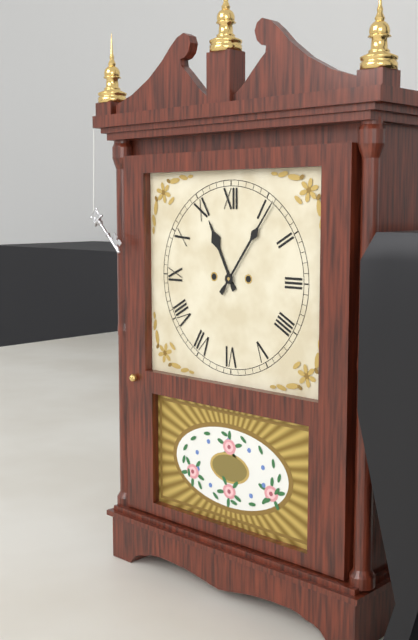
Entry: h=11 m=6
